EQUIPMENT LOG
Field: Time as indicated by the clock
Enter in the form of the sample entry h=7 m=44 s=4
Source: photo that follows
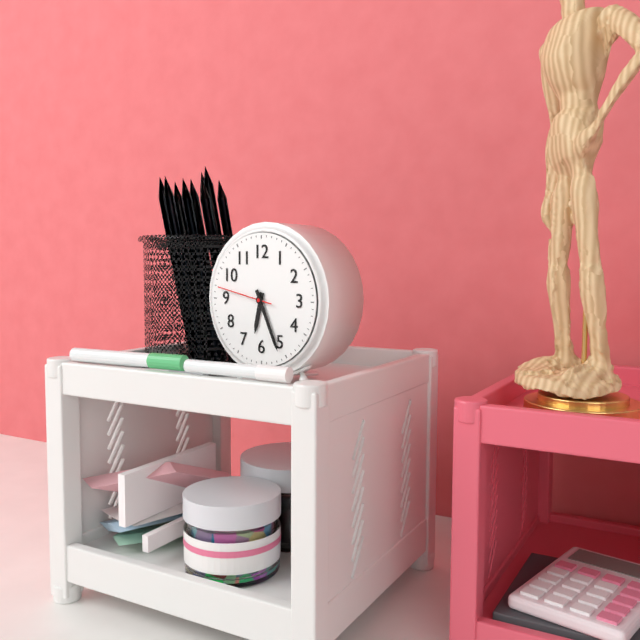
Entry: h=6 m=26 s=47
